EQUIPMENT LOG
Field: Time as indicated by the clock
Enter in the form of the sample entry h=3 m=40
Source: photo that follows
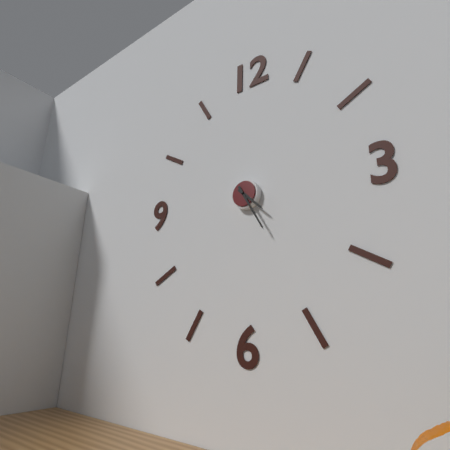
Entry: h=4 m=25
